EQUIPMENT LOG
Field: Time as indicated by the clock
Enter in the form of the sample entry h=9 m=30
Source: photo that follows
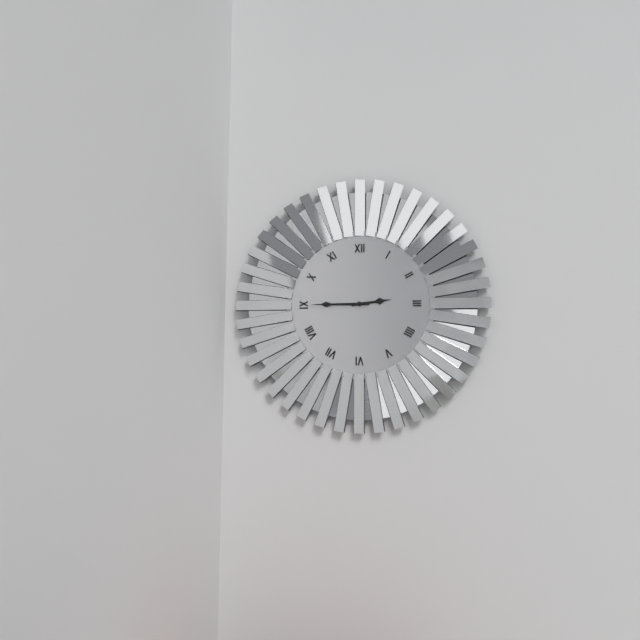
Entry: h=2 m=45
